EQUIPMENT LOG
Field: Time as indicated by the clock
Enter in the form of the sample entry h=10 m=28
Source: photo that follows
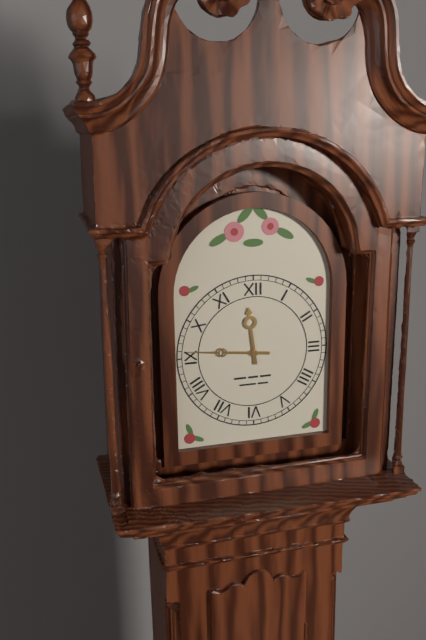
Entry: h=11 m=46
